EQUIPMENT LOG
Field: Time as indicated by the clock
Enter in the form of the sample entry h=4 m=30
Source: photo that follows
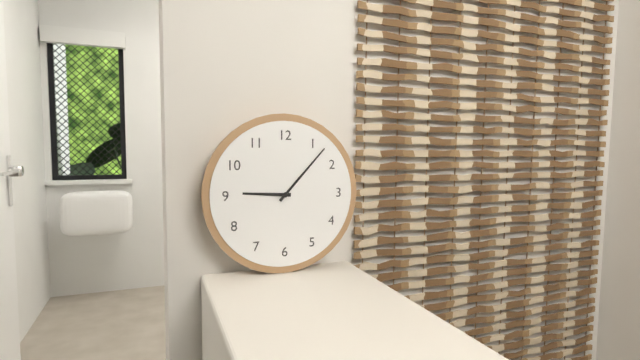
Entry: h=9 m=7
